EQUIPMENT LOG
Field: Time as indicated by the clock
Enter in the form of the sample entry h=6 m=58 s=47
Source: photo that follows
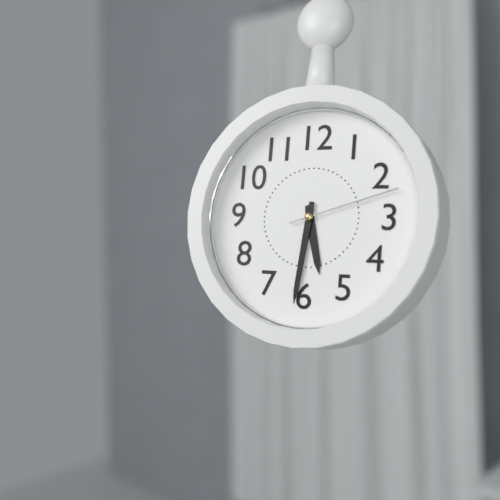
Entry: h=5 m=31 s=12
